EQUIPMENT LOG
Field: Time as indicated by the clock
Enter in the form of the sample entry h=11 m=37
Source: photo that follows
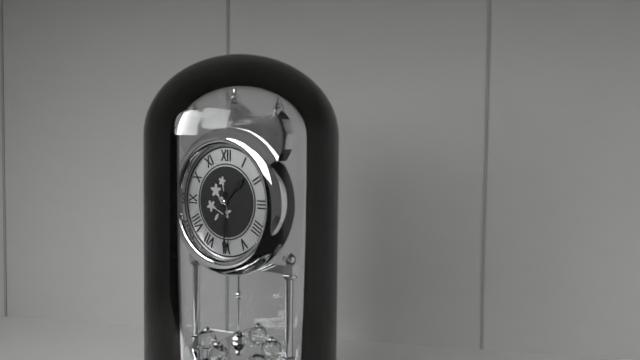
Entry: h=1 m=30
